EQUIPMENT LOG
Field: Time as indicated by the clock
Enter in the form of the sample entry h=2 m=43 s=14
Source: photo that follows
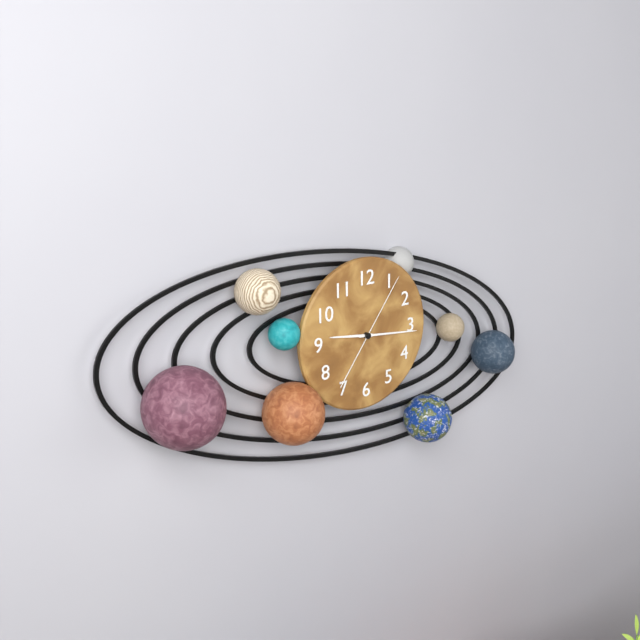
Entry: h=9 m=16 s=6
